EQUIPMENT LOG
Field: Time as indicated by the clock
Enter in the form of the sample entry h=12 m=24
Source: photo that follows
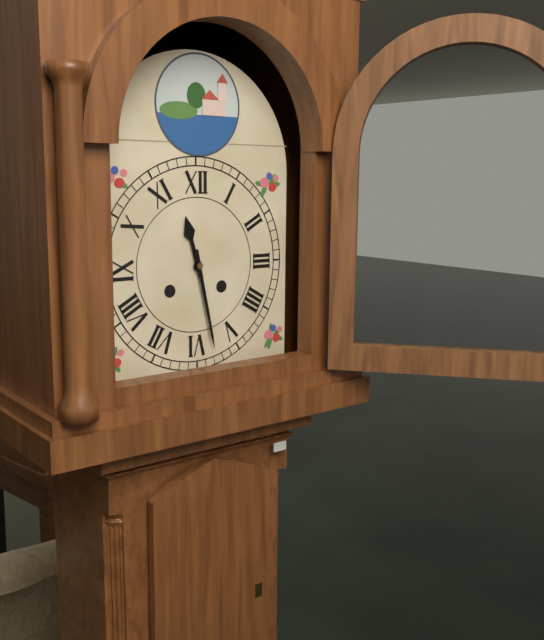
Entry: h=11 m=28
